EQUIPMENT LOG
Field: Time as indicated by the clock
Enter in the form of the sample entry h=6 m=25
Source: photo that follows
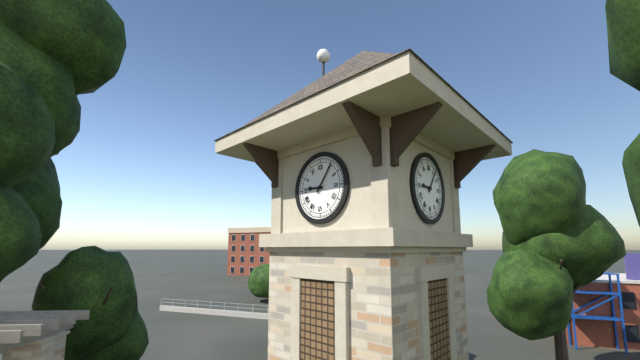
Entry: h=9 m=6
